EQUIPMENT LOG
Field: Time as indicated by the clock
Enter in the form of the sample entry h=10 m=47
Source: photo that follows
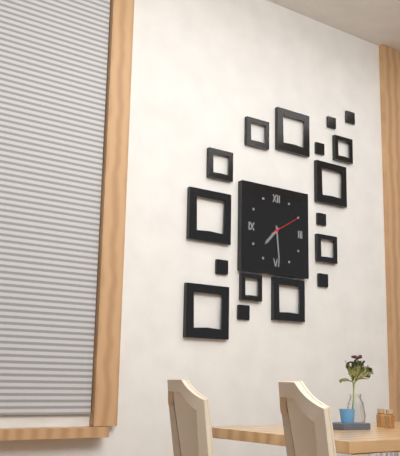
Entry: h=7 m=29
